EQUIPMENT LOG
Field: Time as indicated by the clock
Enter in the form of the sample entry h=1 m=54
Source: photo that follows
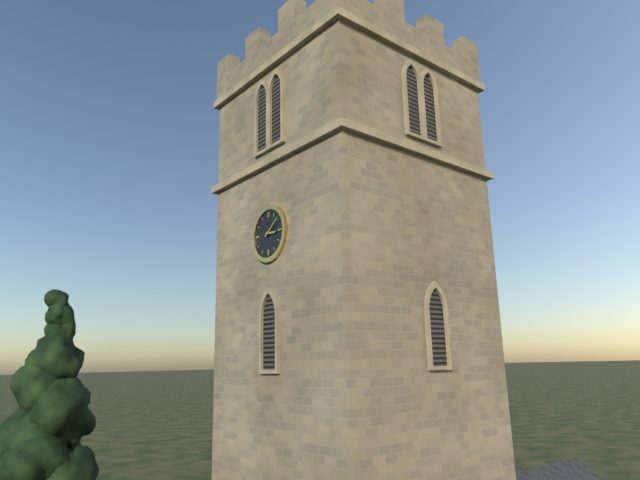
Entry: h=3 m=9
